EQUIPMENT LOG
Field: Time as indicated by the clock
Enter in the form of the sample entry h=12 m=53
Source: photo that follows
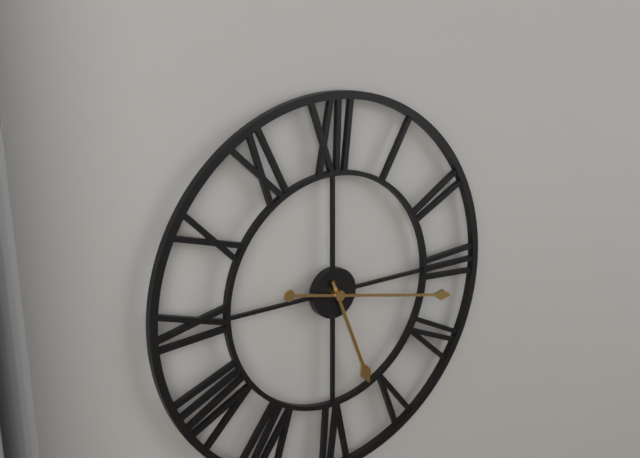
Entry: h=5 m=17
